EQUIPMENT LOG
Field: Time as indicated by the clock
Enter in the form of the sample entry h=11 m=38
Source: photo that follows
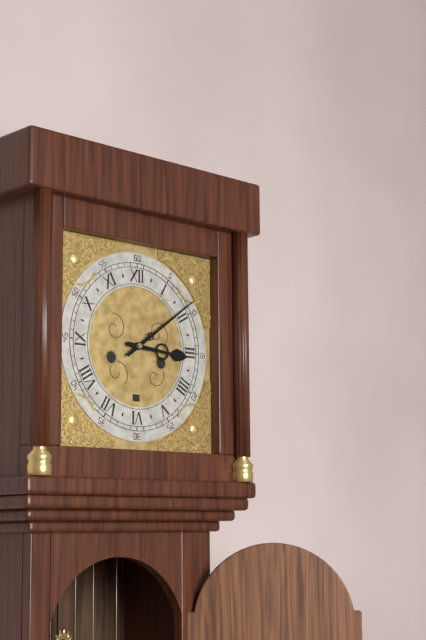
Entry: h=3 m=9
